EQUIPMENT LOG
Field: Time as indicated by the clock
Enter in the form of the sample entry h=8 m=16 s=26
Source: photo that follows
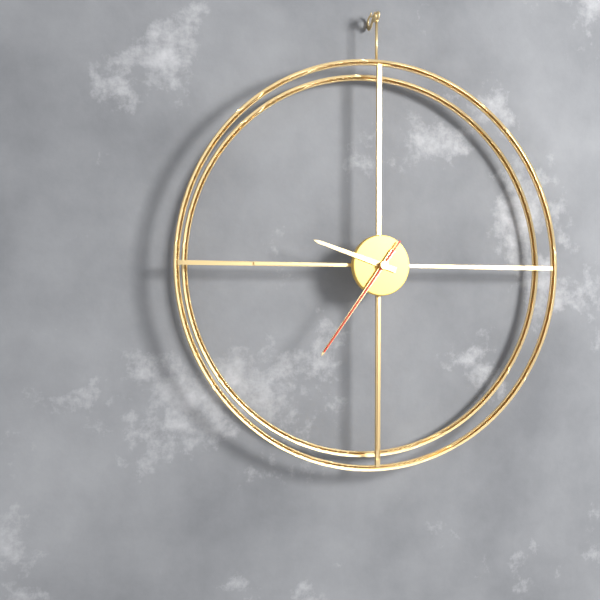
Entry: h=9 m=36 s=36
